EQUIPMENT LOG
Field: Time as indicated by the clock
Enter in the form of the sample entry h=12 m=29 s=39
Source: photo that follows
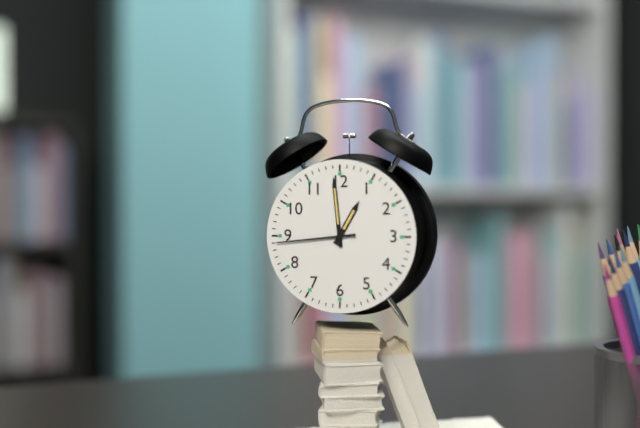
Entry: h=12 m=59 s=44
